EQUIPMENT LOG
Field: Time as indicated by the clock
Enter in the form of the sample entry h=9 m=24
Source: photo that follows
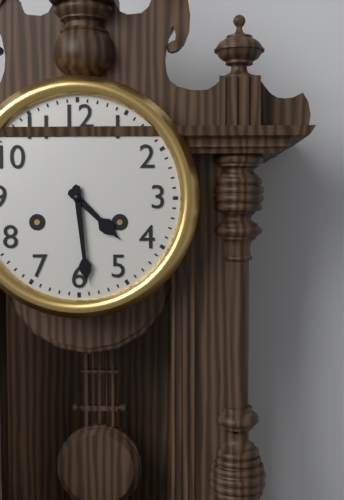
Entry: h=4 m=29
